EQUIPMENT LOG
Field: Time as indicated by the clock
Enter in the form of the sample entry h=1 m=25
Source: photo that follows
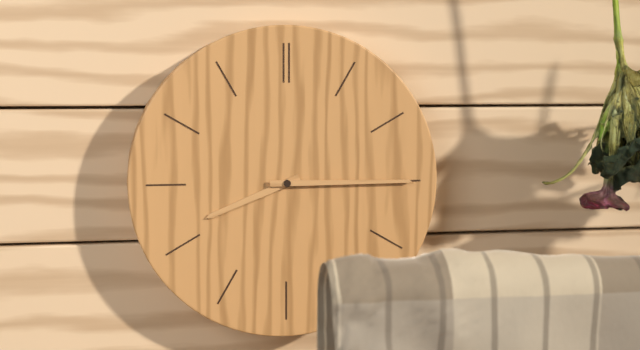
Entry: h=8 m=15
